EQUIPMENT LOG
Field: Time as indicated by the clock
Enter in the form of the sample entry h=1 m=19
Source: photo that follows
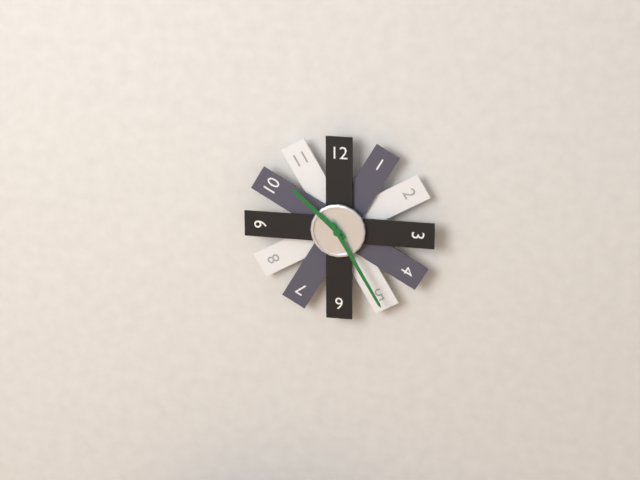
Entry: h=10 m=25
